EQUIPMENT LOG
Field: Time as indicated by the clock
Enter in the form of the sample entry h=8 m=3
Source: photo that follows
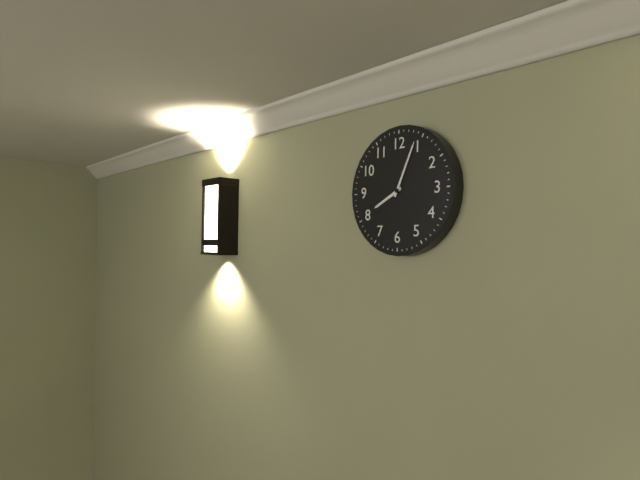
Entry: h=8 m=4
